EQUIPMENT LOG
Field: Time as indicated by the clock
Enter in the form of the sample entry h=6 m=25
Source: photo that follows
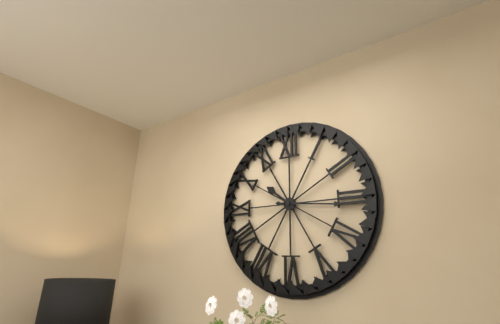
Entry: h=10 m=16
